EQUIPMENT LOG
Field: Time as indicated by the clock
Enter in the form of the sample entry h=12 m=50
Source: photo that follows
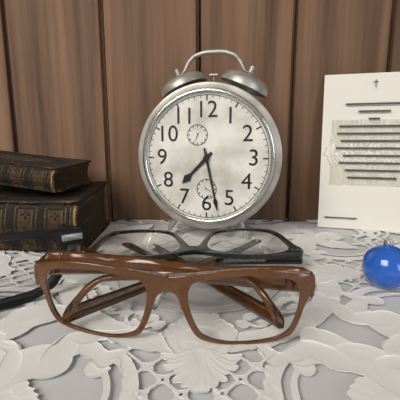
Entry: h=7 m=28
